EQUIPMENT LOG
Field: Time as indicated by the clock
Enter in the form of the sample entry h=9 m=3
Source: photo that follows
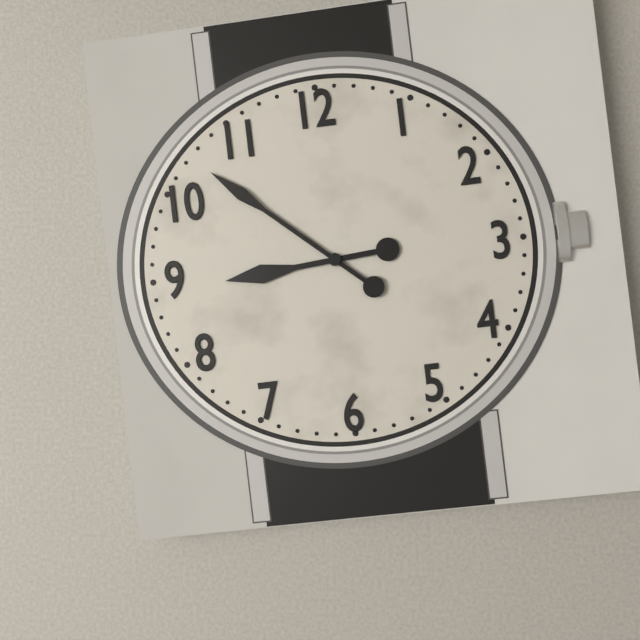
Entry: h=8 m=52
